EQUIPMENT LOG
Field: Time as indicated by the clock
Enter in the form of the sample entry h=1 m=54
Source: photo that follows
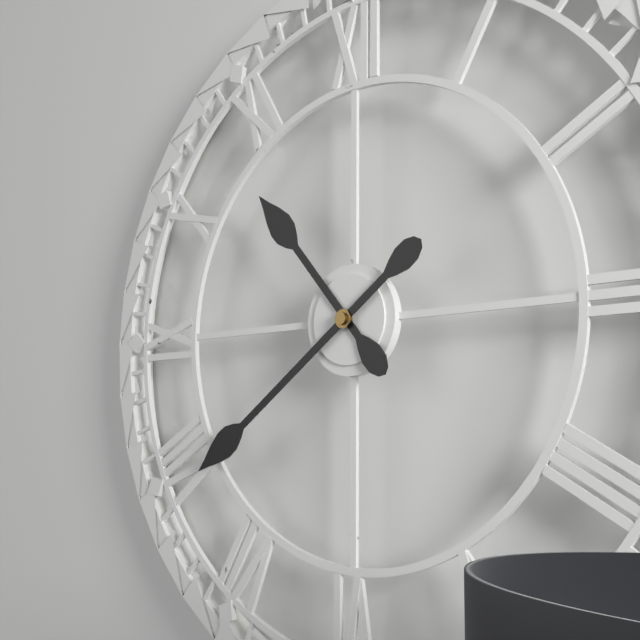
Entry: h=10 m=39
